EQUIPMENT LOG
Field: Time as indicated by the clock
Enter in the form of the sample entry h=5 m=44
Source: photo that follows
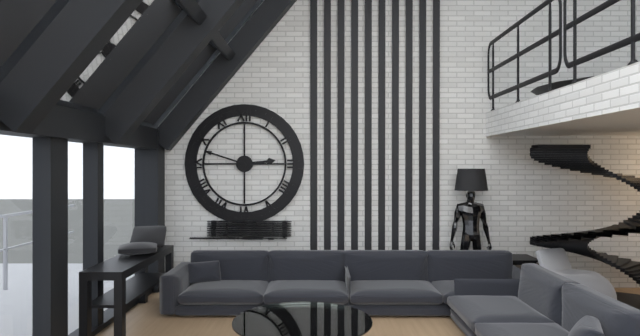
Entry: h=2 m=48
